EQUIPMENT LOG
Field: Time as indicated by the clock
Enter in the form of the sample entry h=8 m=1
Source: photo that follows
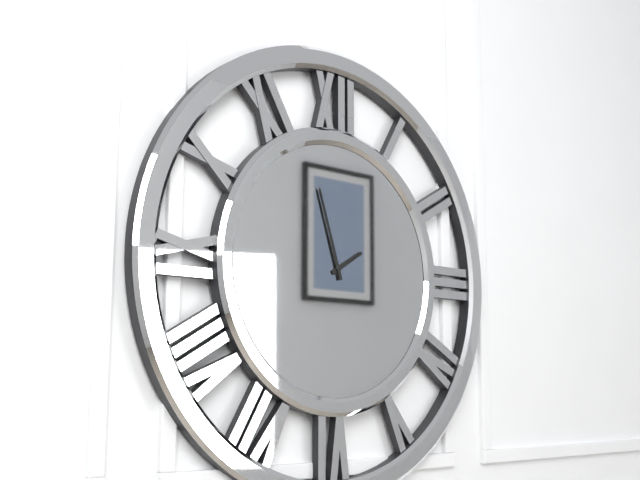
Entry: h=1 m=57
